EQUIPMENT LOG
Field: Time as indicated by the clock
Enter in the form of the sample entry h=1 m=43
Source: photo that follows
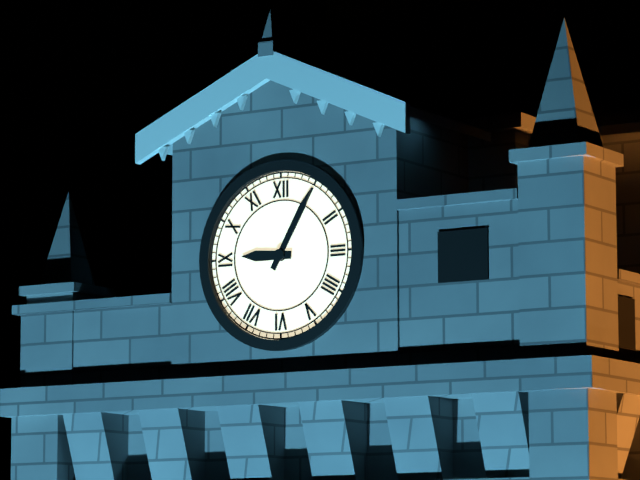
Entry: h=9 m=5
